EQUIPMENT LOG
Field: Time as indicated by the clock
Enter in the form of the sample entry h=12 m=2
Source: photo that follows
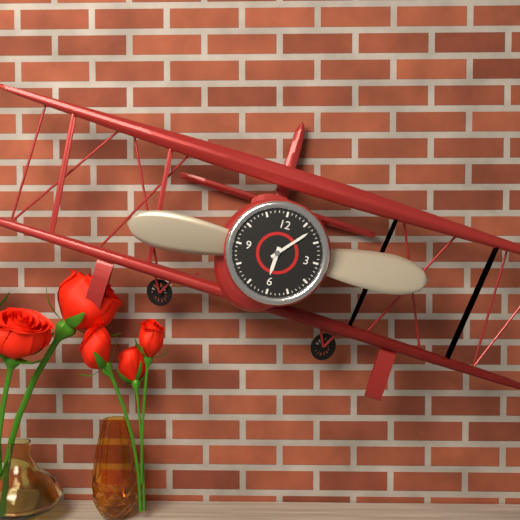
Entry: h=6 m=7
